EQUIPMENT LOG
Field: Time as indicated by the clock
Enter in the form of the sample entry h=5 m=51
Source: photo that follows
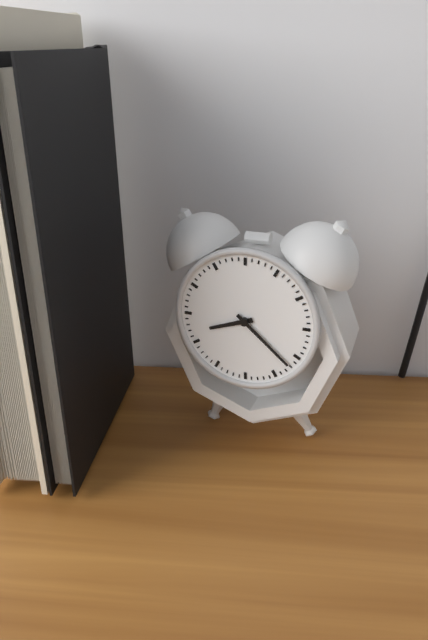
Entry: h=8 m=22
